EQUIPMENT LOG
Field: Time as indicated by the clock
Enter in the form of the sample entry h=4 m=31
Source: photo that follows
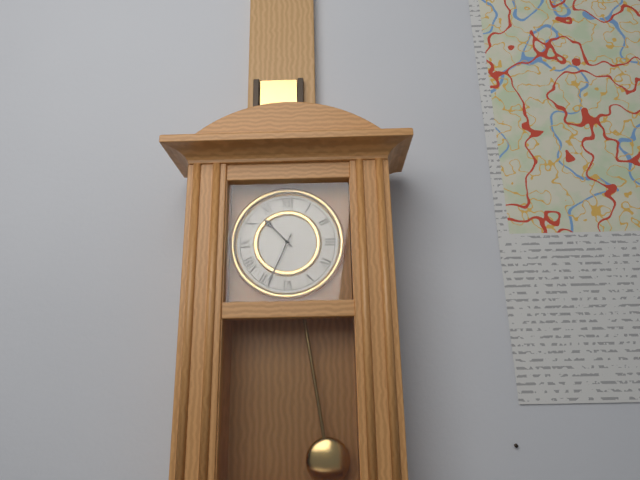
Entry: h=10 m=34
